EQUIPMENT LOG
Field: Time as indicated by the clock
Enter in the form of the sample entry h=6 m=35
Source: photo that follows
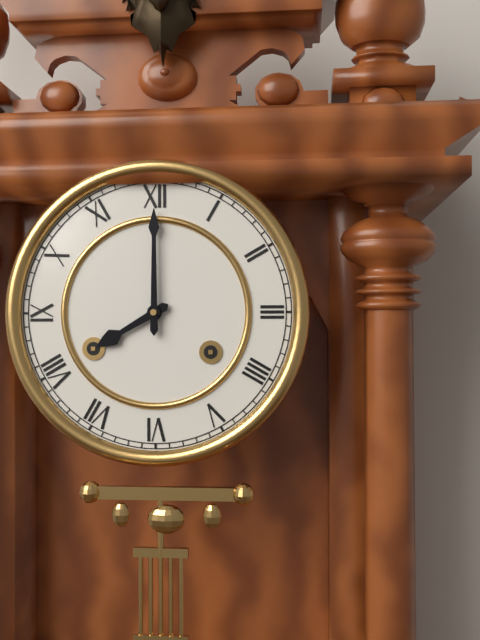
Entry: h=8 m=0
